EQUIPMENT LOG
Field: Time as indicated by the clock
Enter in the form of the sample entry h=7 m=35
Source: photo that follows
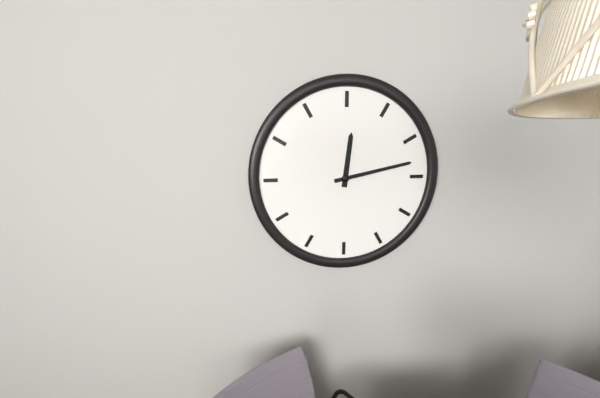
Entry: h=12 m=13
